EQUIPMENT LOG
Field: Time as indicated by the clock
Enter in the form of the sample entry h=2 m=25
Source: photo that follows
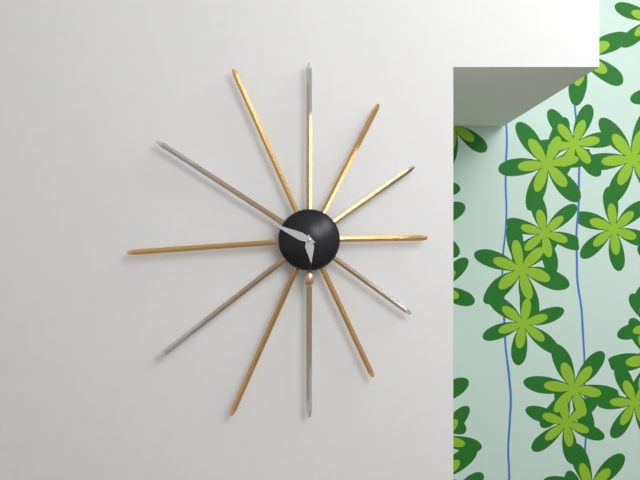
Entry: h=5 m=49
